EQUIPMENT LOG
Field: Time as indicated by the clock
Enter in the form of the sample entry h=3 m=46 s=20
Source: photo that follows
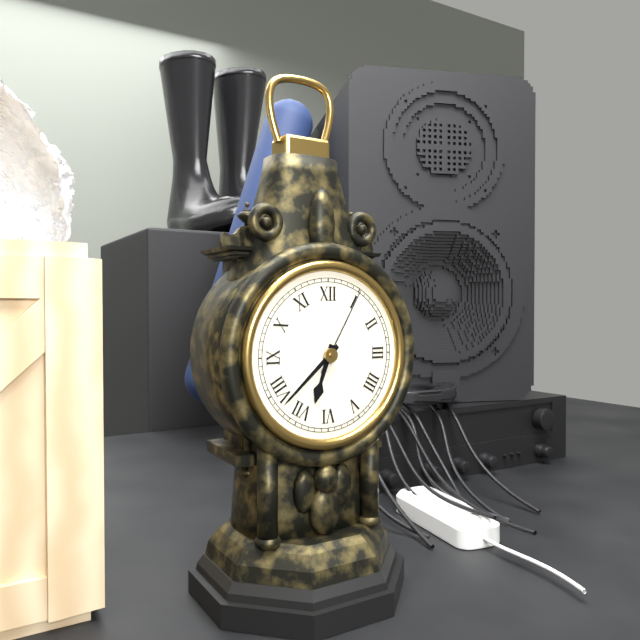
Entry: h=6 m=38 s=5
